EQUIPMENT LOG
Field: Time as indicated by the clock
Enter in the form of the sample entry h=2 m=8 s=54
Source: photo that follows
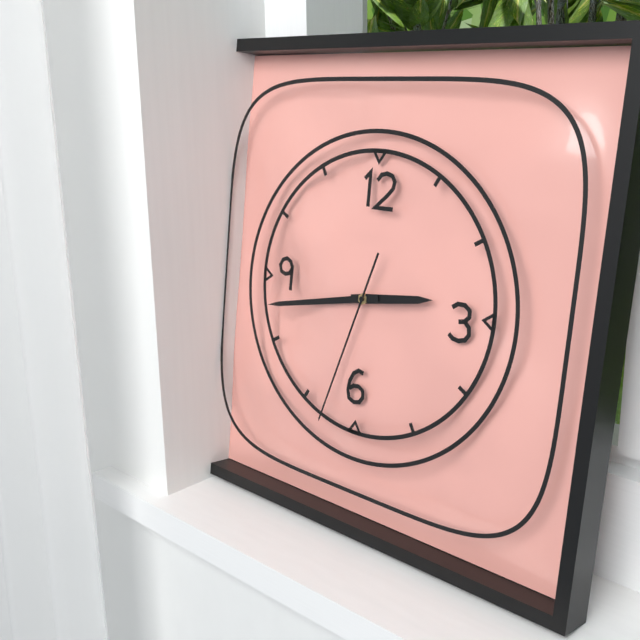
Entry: h=2 m=43 s=33
